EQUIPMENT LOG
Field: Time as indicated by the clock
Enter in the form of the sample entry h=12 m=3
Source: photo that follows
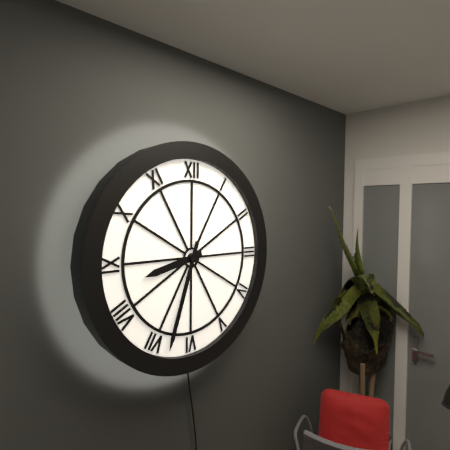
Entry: h=8 m=33
